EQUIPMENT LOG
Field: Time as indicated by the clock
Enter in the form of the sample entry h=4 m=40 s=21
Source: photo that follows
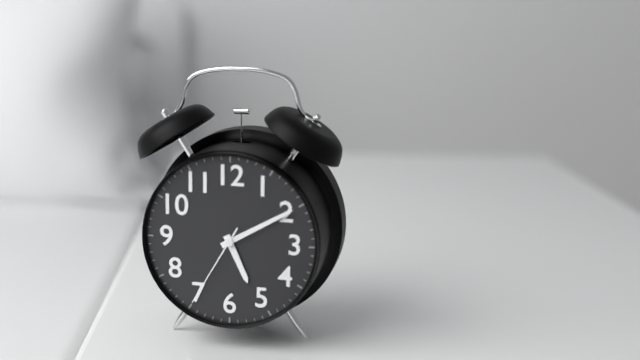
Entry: h=5 m=10 s=35
